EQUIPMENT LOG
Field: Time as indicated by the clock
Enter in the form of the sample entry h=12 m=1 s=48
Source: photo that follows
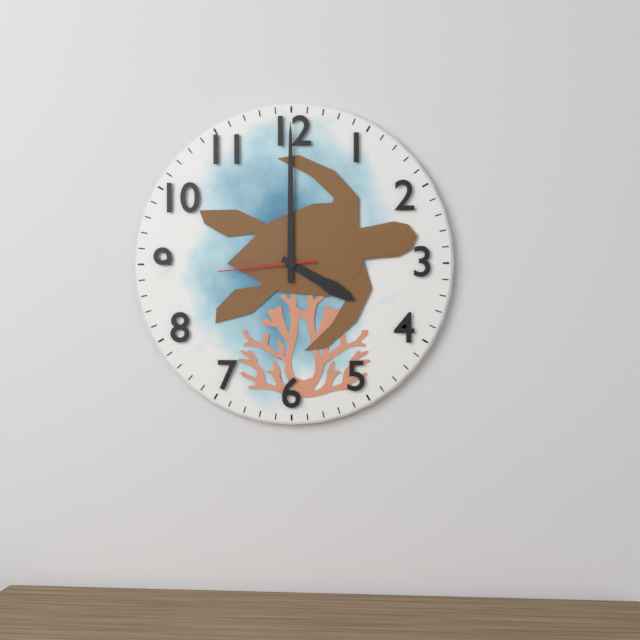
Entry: h=4 m=0 s=44
